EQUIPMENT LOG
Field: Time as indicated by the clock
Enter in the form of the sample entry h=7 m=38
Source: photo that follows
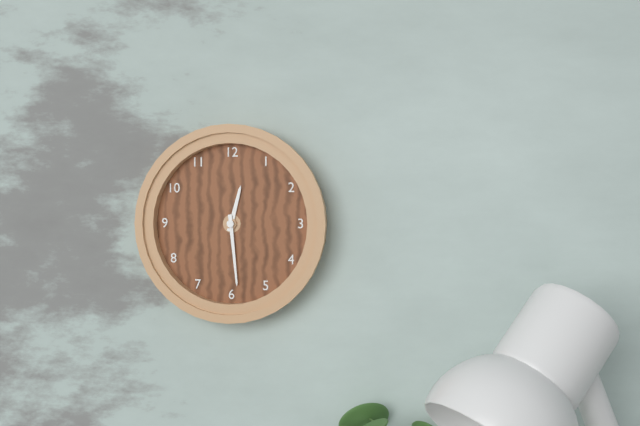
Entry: h=12 m=29
